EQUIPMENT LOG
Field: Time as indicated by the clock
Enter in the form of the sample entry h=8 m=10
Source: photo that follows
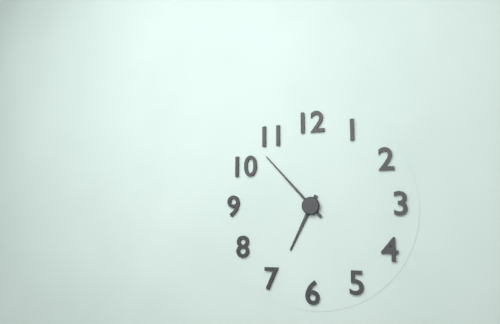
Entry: h=6 m=53
